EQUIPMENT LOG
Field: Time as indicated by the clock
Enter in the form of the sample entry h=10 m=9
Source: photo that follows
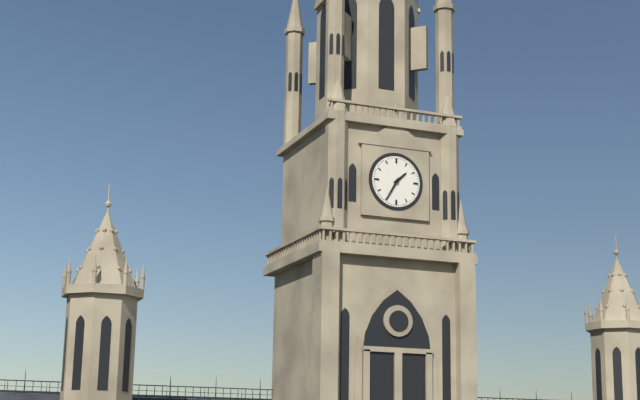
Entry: h=1 m=35
